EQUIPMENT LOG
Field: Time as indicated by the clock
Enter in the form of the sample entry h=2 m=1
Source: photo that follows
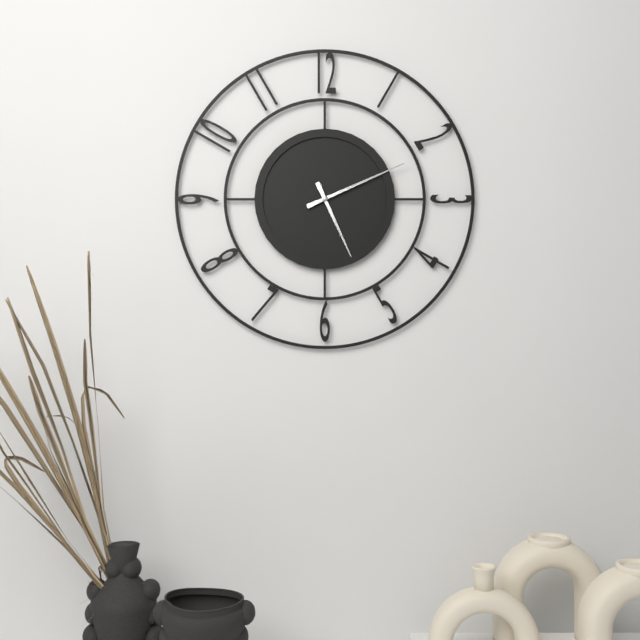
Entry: h=5 m=11
